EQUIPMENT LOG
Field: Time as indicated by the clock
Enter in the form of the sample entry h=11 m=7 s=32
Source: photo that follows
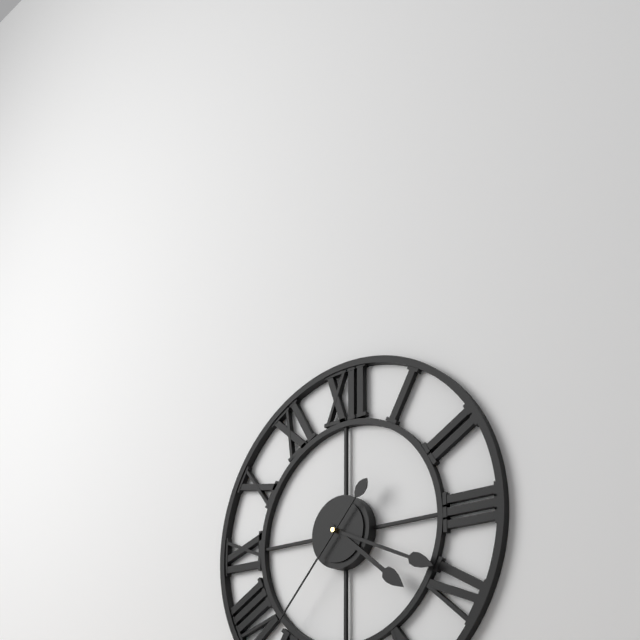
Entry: h=4 m=19 s=37
